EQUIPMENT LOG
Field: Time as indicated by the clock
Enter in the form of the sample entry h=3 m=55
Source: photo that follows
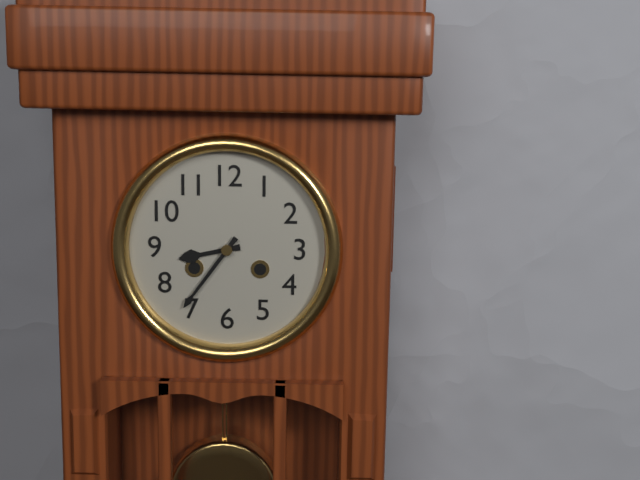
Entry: h=8 m=36
